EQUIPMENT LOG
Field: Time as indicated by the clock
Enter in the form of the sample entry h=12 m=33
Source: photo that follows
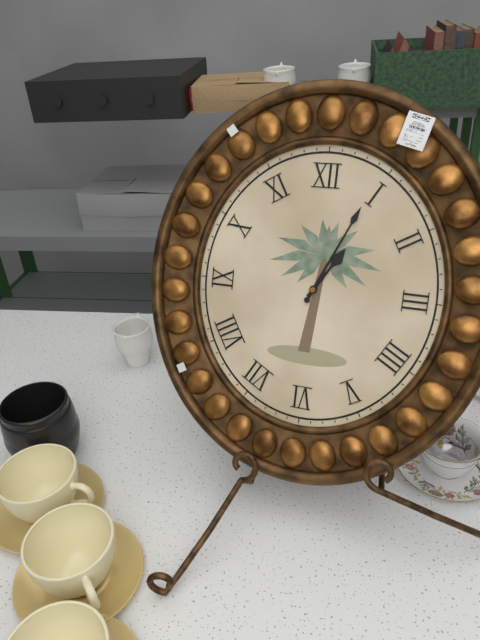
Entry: h=1 m=4
